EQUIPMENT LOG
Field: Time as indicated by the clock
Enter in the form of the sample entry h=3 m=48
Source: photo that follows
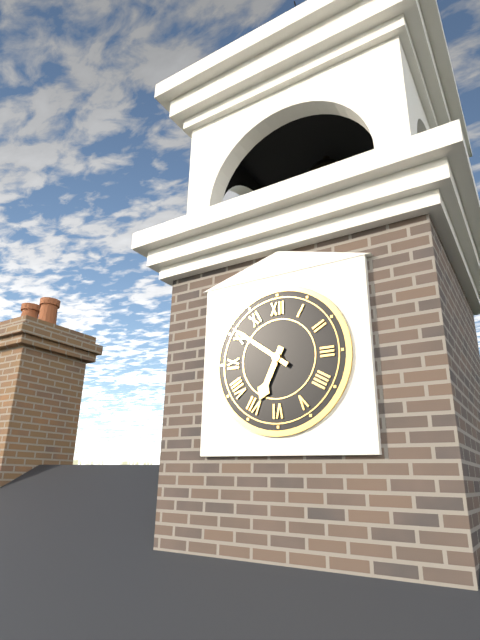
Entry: h=6 m=51
